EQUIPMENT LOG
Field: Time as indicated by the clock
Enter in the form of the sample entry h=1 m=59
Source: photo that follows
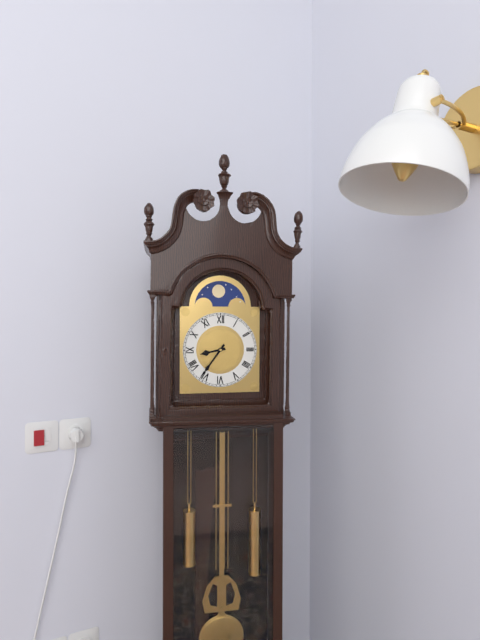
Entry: h=8 m=36
